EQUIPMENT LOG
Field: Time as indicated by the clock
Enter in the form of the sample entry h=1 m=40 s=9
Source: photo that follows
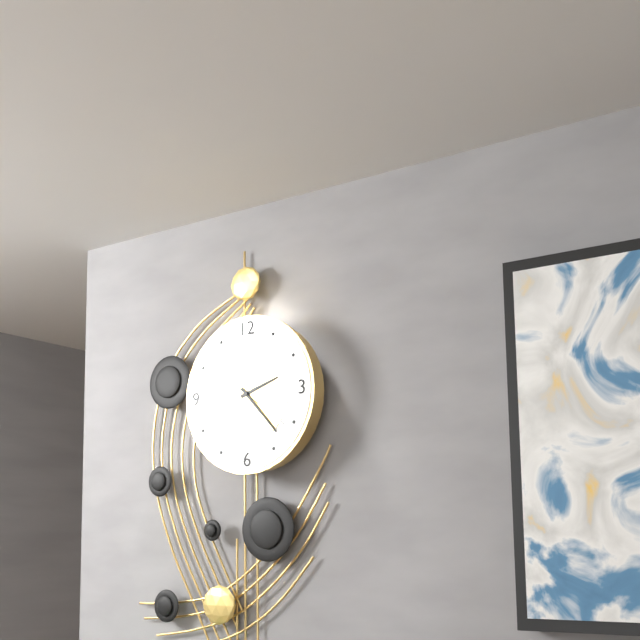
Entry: h=2 m=23 s=21
